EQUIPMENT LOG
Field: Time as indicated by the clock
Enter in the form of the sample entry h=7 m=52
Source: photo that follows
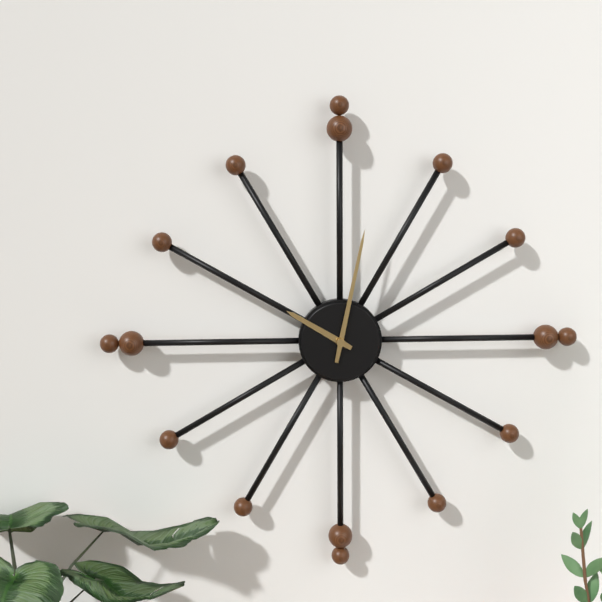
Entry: h=10 m=2
